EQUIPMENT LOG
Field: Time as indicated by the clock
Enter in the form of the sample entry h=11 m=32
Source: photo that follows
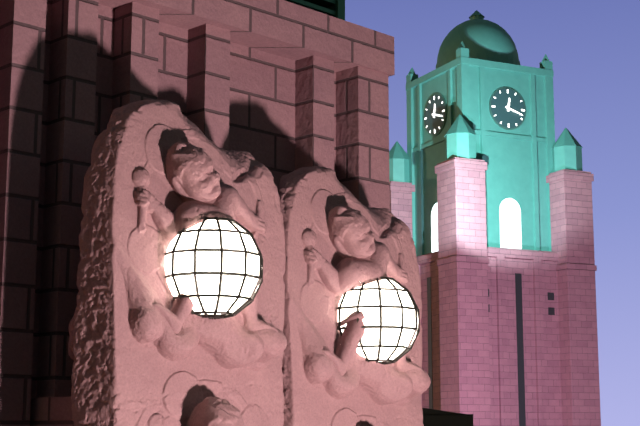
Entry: h=12 m=18
